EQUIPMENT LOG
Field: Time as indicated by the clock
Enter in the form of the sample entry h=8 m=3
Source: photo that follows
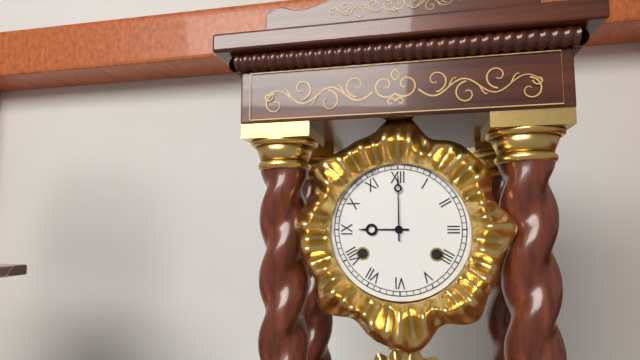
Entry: h=9 m=0
